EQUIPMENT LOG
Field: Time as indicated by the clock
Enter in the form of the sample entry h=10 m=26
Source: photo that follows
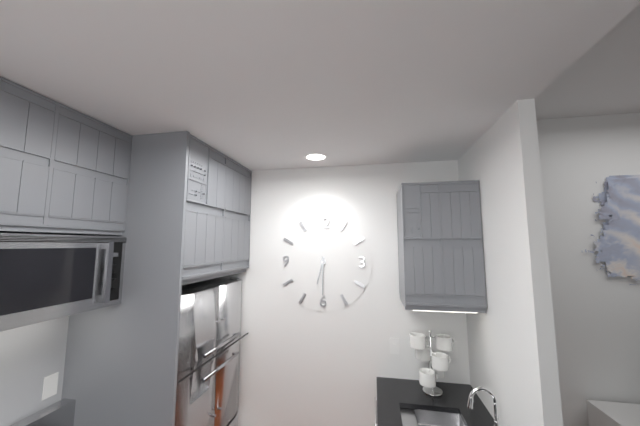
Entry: h=6 m=30
